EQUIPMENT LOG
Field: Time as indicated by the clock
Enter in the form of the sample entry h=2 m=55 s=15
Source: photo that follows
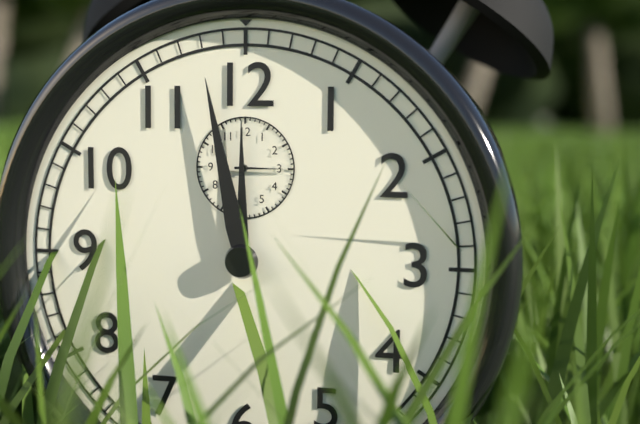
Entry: h=11 m=58 s=15
